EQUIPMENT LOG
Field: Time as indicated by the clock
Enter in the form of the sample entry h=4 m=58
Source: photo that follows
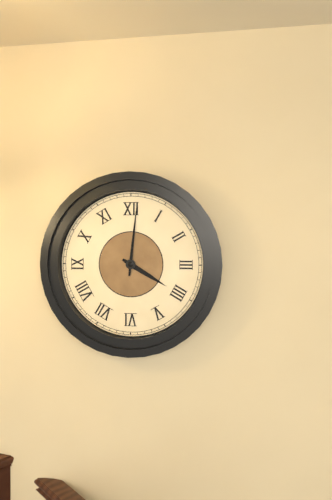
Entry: h=4 m=1
